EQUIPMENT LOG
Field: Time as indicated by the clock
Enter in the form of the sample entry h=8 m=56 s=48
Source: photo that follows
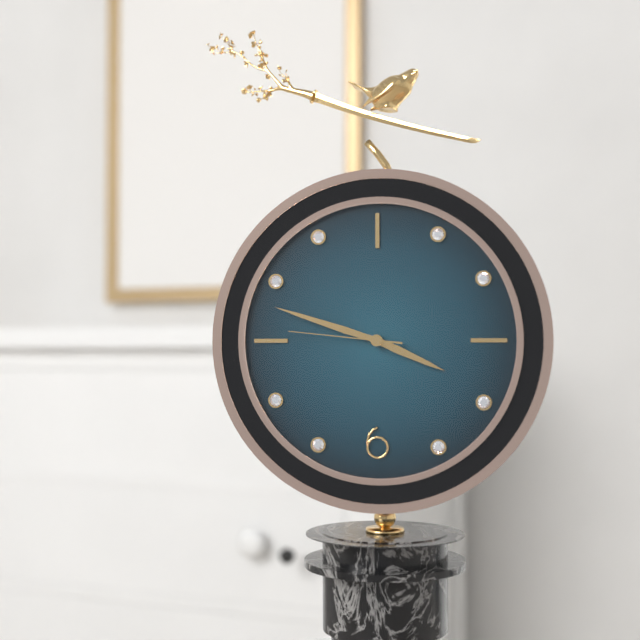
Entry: h=3 m=48 s=46
